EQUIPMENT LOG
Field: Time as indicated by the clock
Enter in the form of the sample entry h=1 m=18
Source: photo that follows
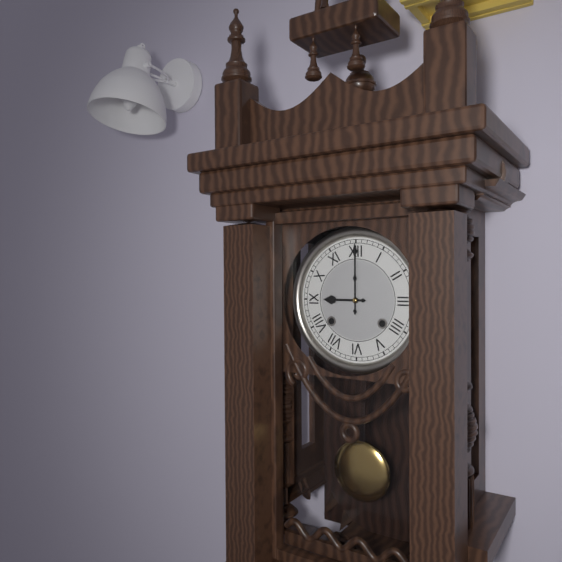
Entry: h=9 m=0
